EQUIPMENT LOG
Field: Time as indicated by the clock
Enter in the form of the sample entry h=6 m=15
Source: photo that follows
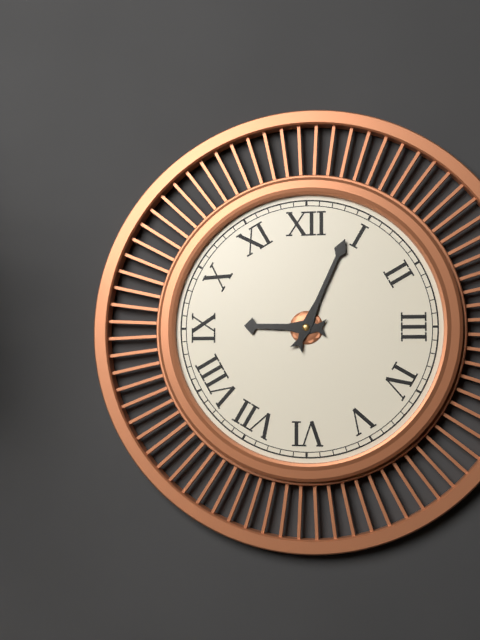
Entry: h=9 m=4
